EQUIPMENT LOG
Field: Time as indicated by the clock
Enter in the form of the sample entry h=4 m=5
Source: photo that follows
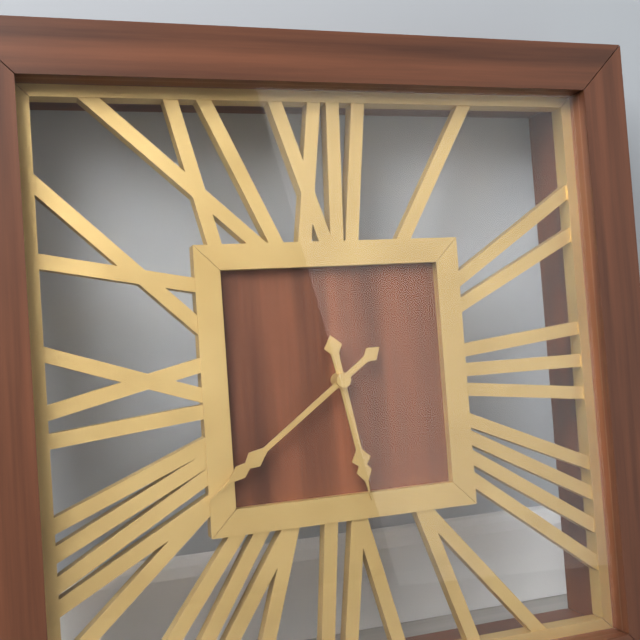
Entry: h=5 m=39
